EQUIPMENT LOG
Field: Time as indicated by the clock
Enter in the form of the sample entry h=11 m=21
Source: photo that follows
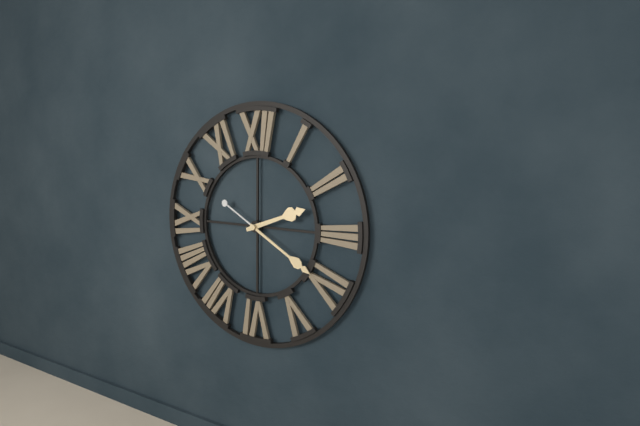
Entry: h=2 m=20
